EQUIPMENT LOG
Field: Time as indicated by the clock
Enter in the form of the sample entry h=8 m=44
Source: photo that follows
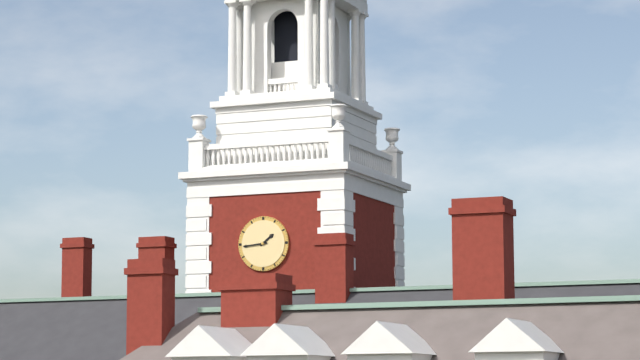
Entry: h=1 m=44
